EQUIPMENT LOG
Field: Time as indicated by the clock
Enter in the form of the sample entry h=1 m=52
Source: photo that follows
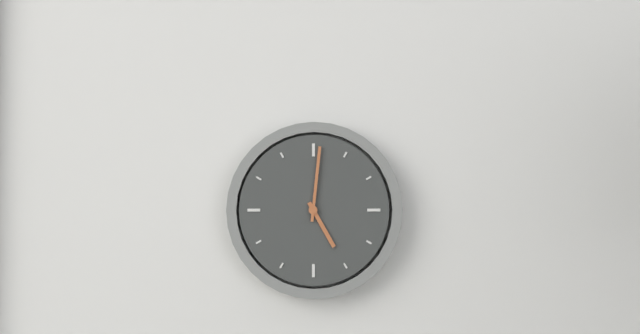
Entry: h=5 m=1
